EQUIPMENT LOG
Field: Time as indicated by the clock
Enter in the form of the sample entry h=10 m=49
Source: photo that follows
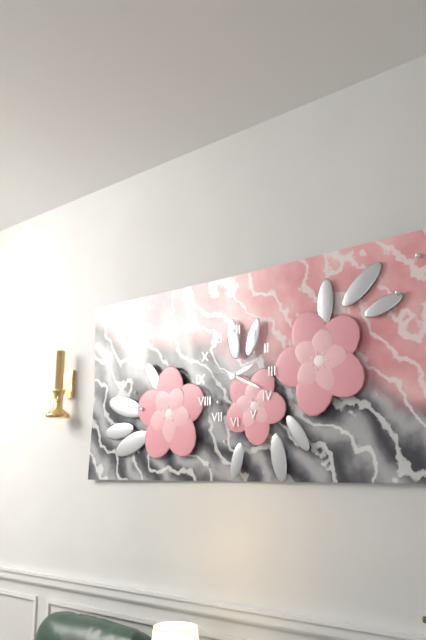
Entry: h=2 m=19
